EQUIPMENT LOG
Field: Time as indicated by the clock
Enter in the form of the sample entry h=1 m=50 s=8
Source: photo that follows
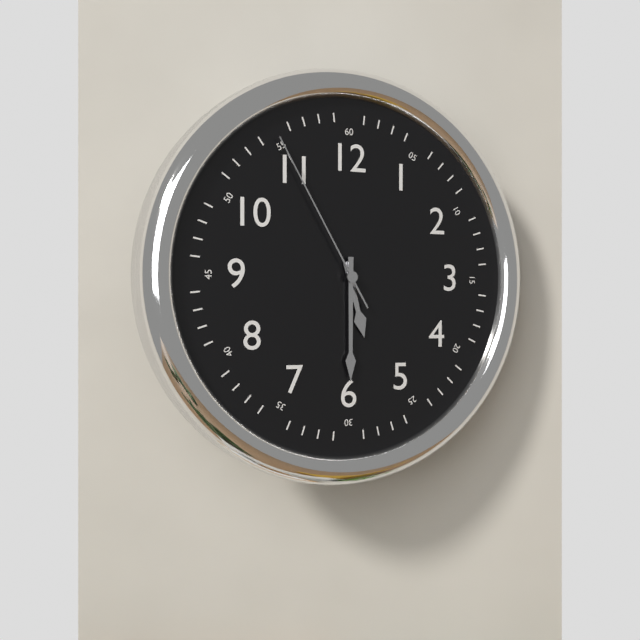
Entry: h=5 m=30 s=55
